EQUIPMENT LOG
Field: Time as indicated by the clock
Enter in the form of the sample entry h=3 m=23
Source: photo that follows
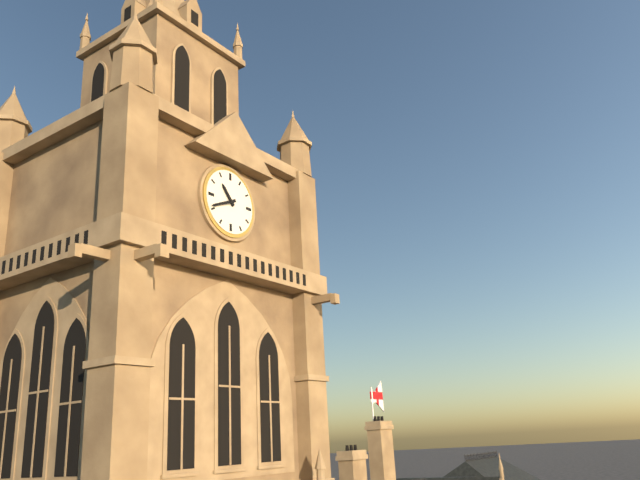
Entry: h=10 m=41
